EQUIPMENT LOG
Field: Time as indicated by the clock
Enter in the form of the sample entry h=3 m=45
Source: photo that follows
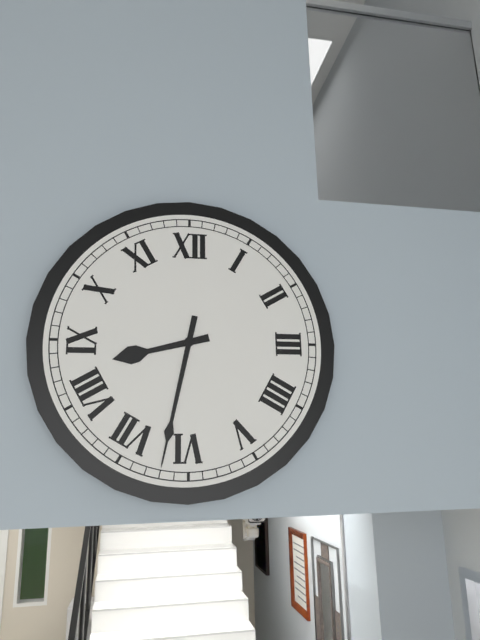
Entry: h=8 m=32
